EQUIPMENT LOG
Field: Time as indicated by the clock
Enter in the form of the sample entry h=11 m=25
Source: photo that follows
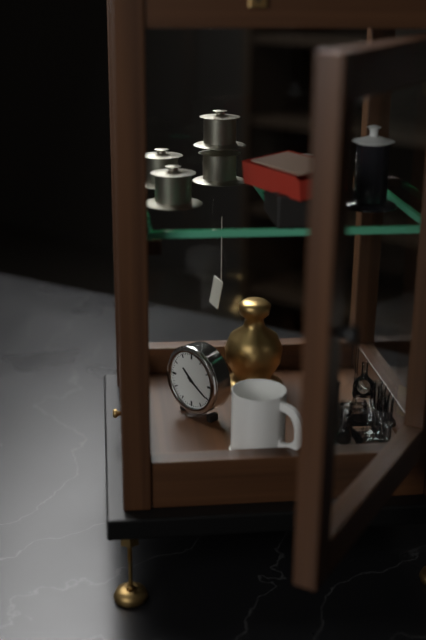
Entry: h=10 m=20
